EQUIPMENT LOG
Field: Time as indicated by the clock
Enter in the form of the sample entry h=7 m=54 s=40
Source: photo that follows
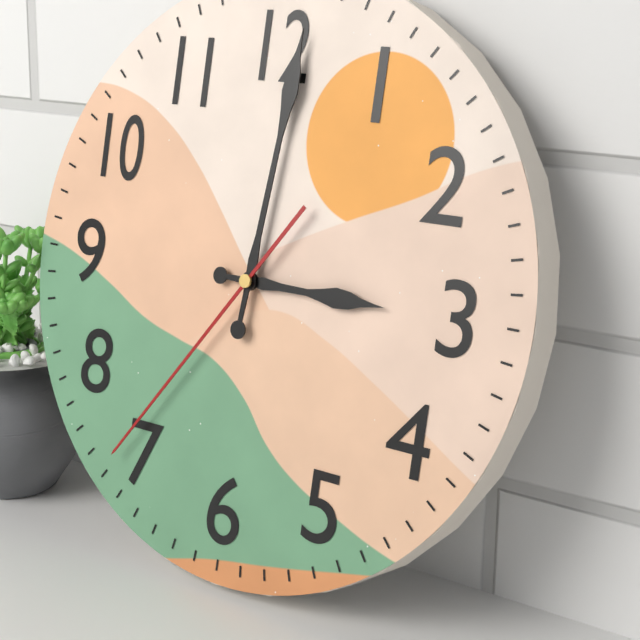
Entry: h=3 m=1 s=36
